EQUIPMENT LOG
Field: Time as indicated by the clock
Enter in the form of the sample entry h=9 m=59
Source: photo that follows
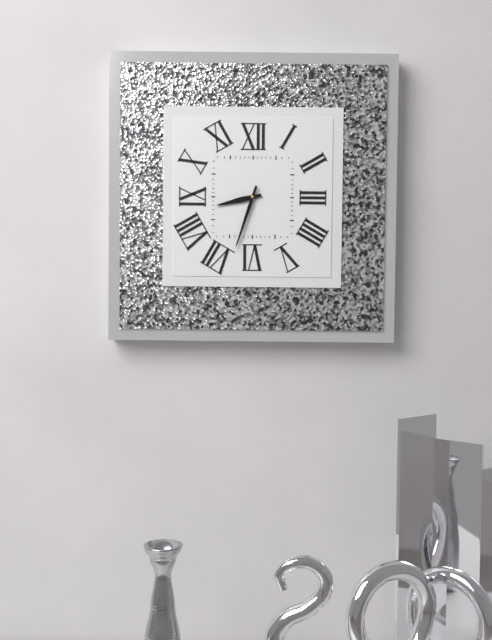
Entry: h=8 m=33
